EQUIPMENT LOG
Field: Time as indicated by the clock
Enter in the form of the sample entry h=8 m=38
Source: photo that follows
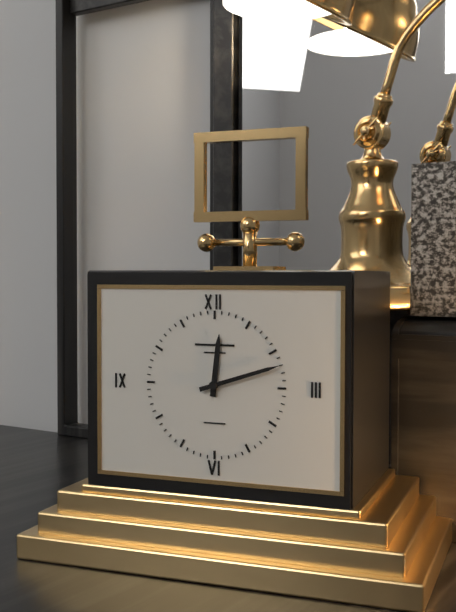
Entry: h=12 m=12
